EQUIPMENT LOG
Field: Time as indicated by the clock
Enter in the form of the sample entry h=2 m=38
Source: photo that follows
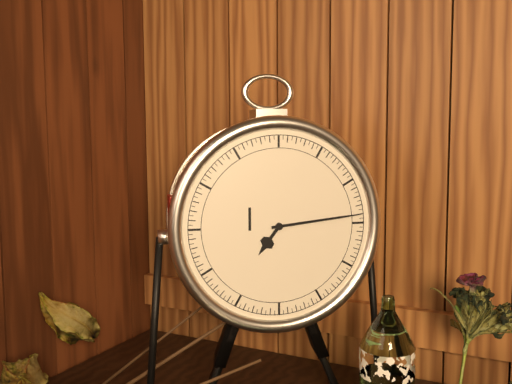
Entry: h=7 m=14
